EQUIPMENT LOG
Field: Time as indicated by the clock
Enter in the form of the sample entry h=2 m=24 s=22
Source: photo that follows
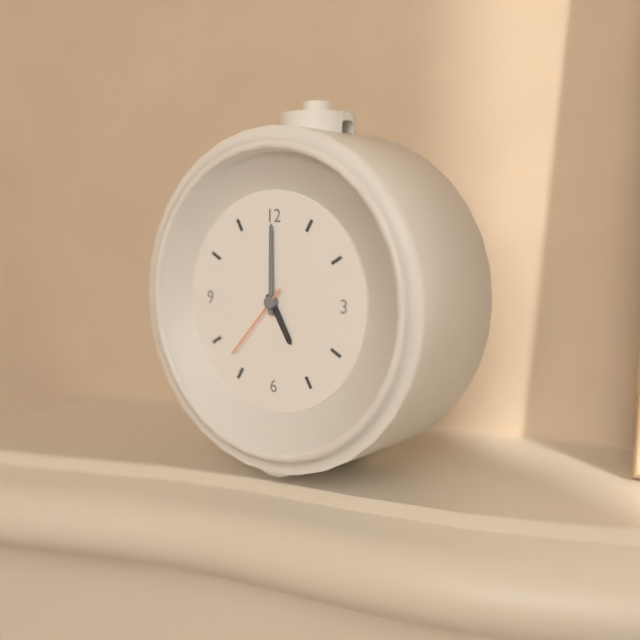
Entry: h=5 m=0 s=37
